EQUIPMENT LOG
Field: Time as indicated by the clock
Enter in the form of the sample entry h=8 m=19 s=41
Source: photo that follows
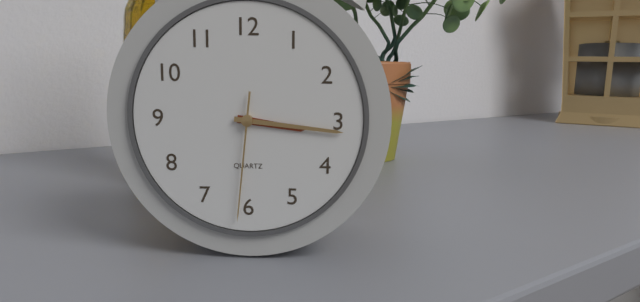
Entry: h=3 m=16 s=31
